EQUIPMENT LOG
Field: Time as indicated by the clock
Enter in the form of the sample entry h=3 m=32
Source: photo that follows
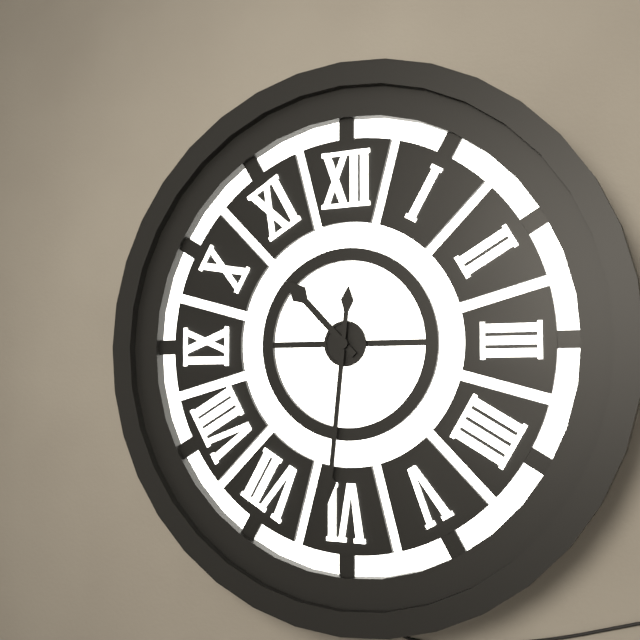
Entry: h=10 m=31
